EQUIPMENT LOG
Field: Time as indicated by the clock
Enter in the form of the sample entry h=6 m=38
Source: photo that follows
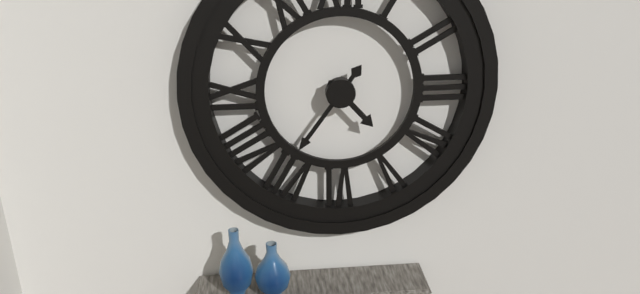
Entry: h=4 m=36
